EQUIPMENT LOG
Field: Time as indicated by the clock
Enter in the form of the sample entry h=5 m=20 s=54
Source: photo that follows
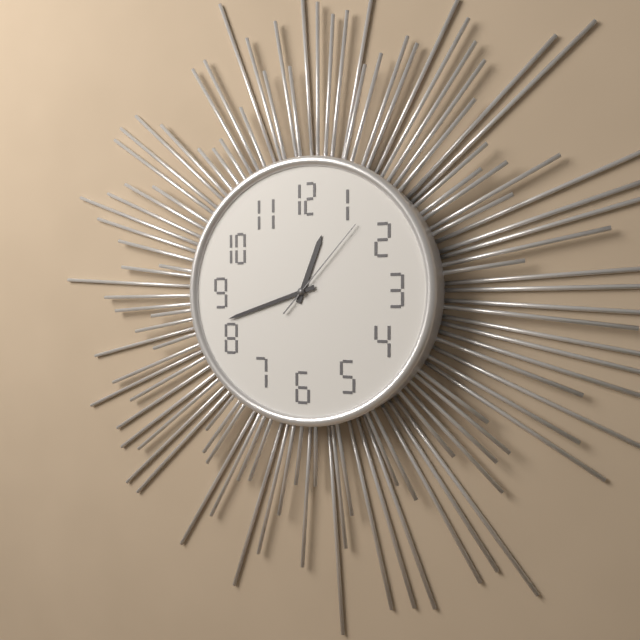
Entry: h=12 m=42 s=7
